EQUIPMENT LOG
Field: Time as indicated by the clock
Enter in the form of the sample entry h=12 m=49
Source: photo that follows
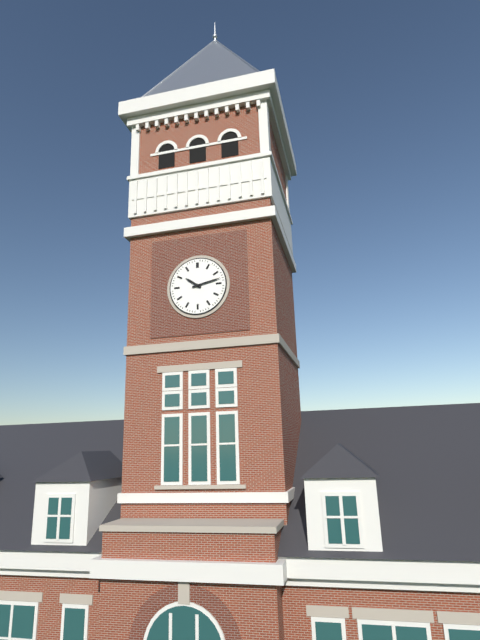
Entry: h=10 m=13
